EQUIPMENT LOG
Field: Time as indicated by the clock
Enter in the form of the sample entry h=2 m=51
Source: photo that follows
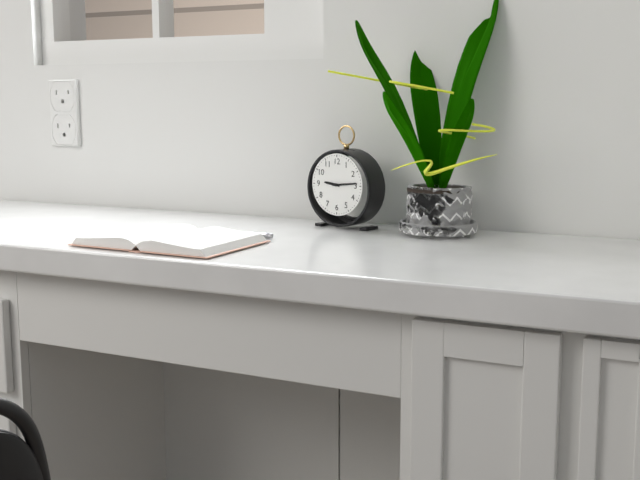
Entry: h=9 m=14
